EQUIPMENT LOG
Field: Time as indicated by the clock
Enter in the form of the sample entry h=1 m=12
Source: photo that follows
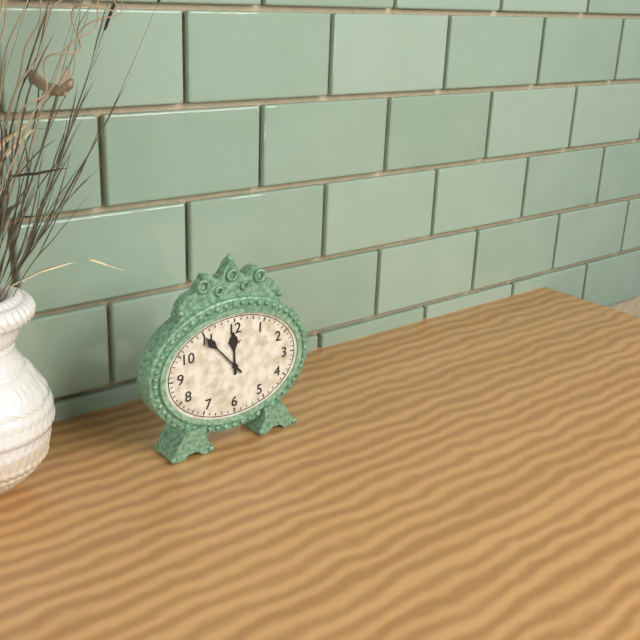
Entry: h=11 m=53
